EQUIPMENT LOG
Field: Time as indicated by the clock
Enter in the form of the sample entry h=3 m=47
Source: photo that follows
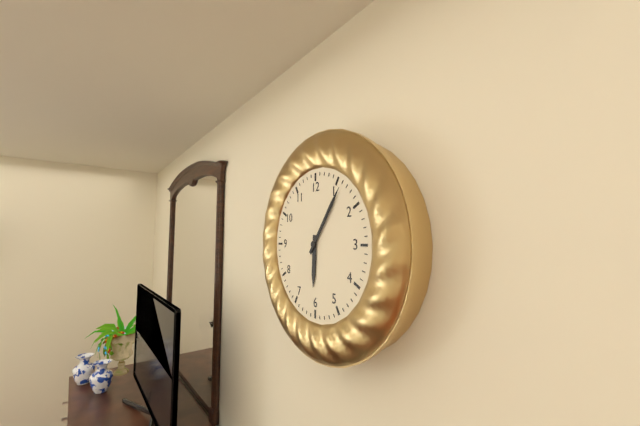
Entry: h=6 m=6
